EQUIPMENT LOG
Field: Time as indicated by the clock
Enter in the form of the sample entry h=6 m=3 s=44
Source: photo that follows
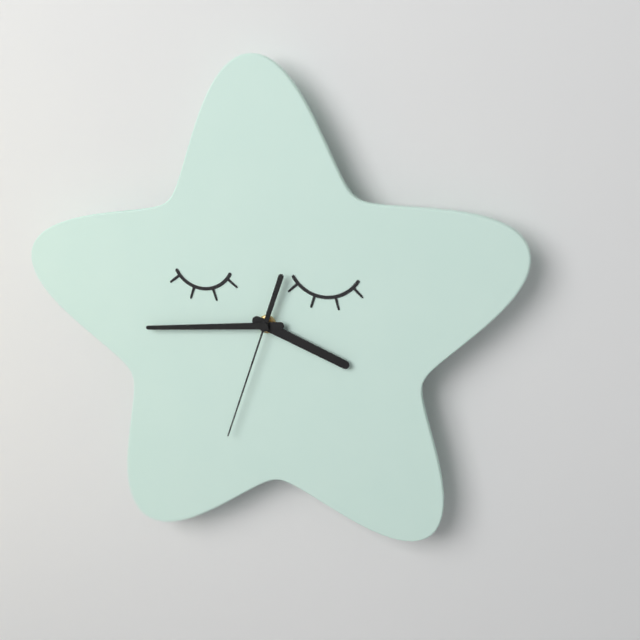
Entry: h=3 m=44 s=33
